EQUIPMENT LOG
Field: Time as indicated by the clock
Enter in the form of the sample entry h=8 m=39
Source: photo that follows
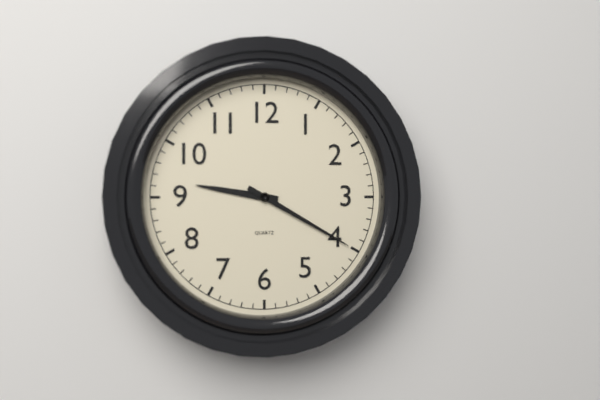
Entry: h=9 m=20
